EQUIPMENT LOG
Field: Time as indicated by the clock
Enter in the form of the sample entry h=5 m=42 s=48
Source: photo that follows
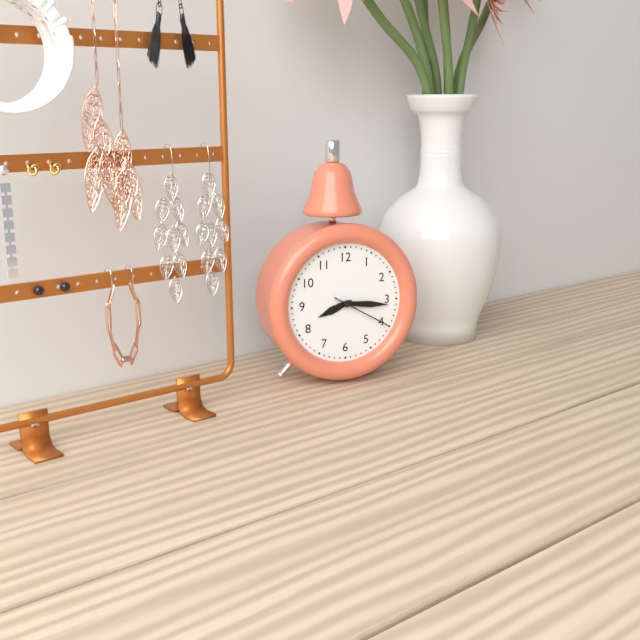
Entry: h=8 m=16 s=20
